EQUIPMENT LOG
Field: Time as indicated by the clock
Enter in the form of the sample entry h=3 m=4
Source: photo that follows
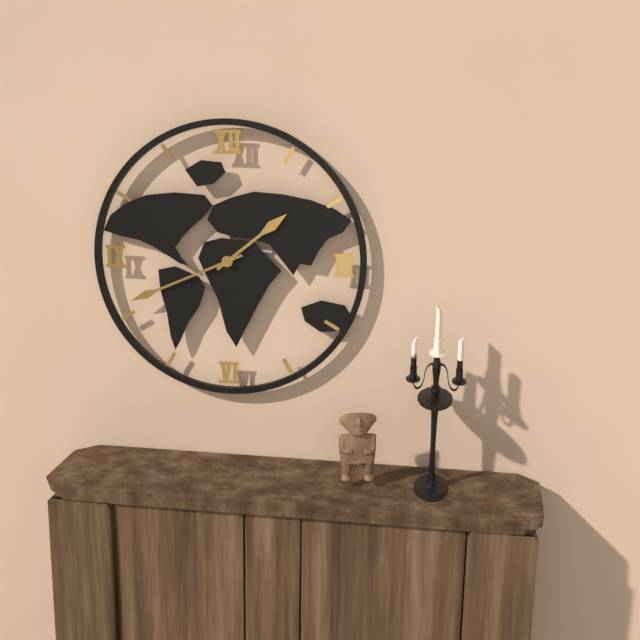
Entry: h=1 m=41
